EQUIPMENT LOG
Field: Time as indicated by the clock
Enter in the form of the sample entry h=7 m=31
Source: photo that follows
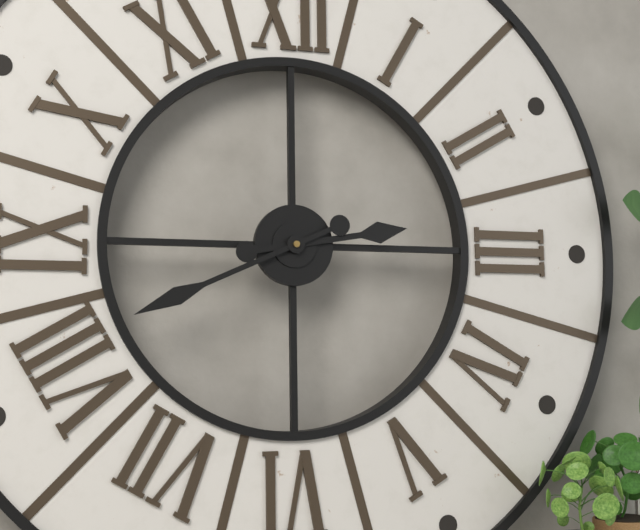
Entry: h=2 m=41
